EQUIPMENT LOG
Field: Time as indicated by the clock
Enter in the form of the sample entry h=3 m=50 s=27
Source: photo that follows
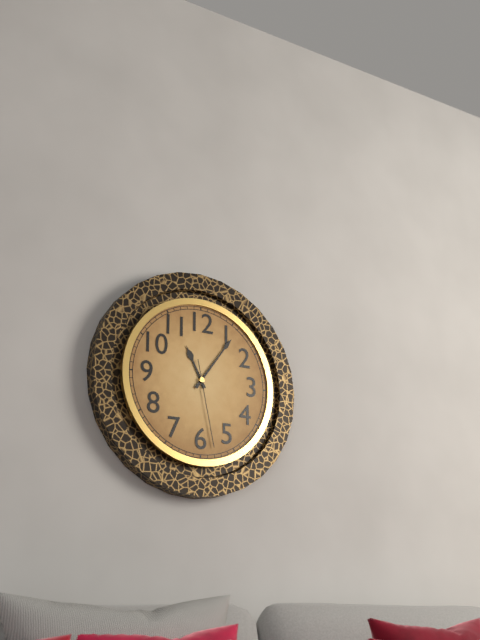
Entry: h=11 m=6 s=28
